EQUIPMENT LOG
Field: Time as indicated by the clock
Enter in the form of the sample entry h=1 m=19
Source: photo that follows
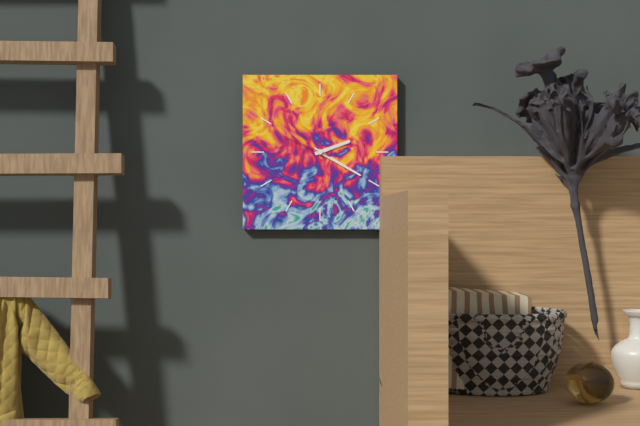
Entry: h=2 m=20
